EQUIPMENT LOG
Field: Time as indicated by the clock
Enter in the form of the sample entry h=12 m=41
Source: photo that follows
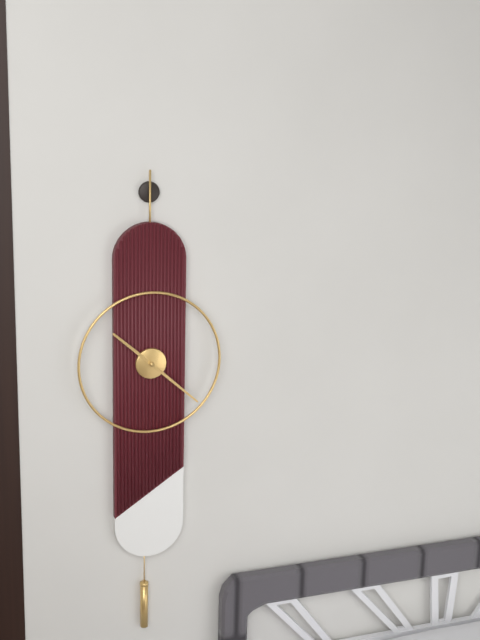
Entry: h=10 m=22
